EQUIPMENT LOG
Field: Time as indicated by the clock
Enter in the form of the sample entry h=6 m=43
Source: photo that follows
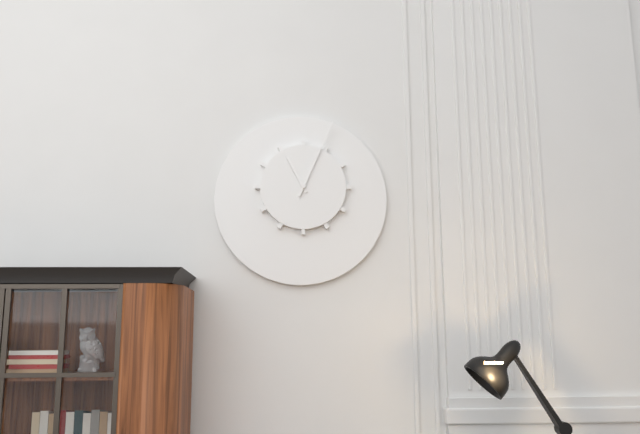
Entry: h=11 m=4
